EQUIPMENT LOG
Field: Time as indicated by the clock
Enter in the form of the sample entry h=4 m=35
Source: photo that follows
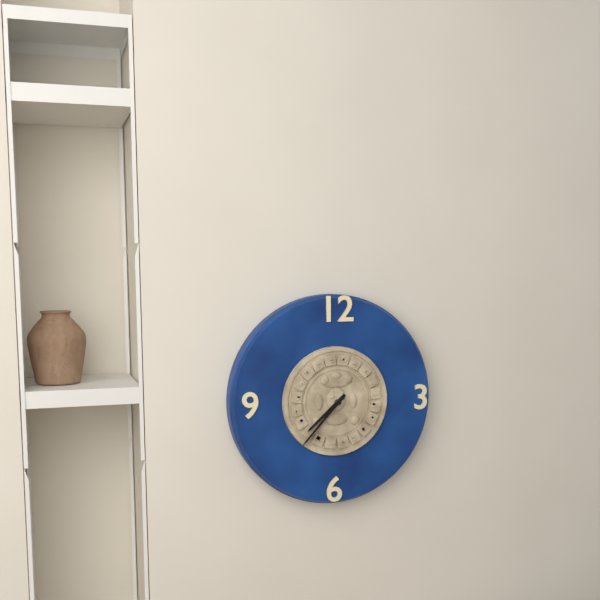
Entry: h=7 m=37
